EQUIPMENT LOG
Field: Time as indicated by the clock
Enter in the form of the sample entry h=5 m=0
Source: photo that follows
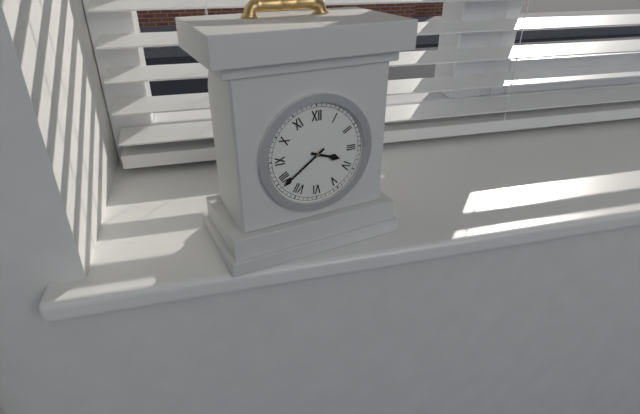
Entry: h=3 m=39
